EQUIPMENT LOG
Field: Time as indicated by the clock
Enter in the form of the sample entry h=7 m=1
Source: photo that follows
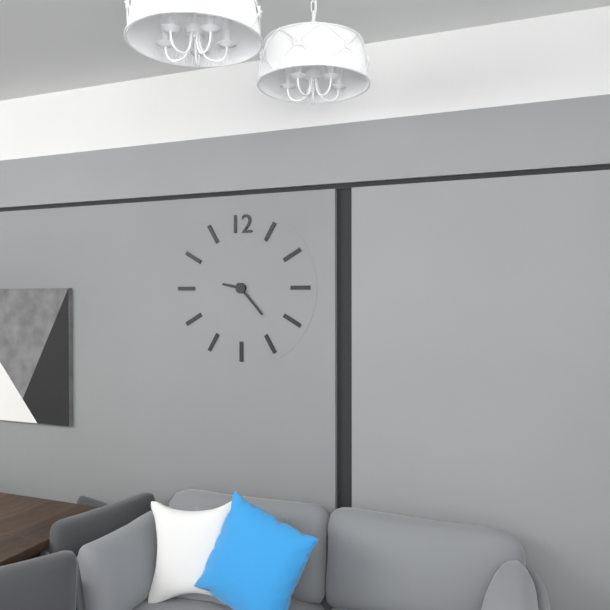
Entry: h=9 m=23
